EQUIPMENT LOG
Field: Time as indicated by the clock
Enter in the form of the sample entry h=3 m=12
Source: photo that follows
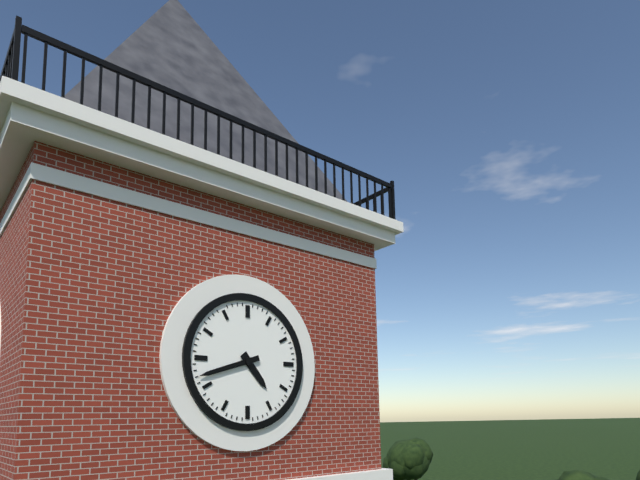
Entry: h=4 m=42
